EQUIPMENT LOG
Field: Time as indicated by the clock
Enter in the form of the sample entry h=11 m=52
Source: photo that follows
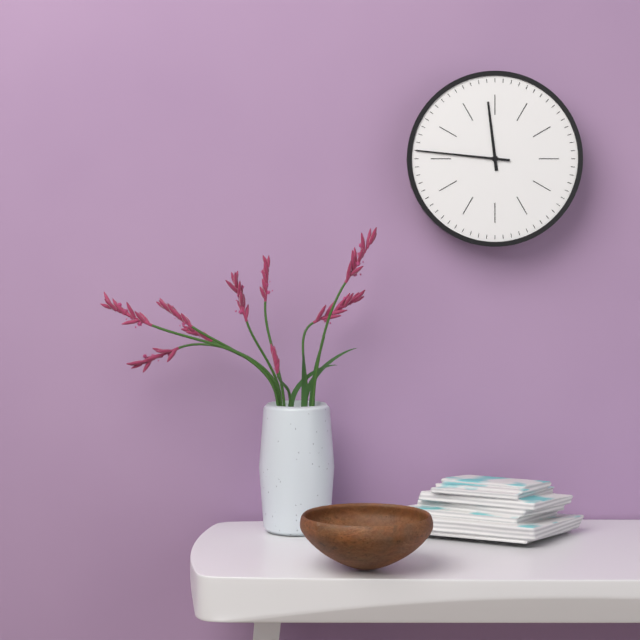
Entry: h=11 m=46
